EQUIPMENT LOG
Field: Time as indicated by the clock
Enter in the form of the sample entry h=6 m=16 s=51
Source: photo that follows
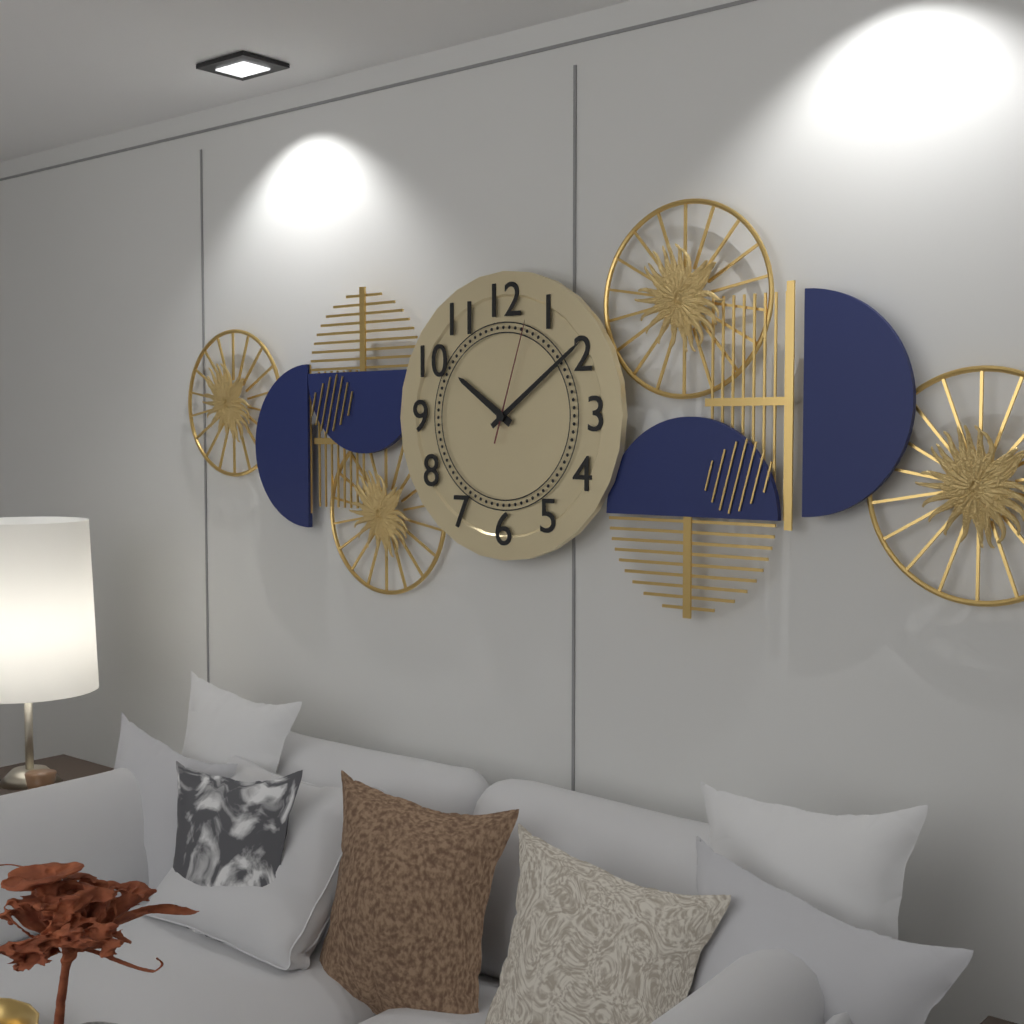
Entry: h=10 m=9 s=3
